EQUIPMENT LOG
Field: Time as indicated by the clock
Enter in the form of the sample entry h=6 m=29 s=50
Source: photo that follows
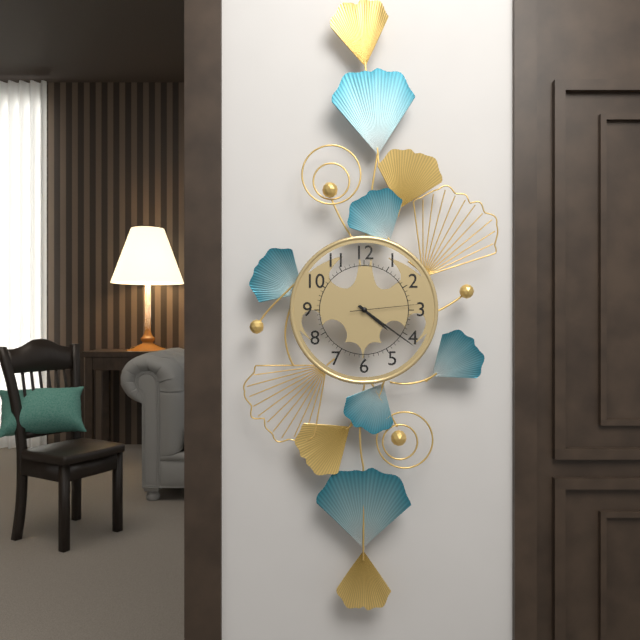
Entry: h=4 m=21 s=14
